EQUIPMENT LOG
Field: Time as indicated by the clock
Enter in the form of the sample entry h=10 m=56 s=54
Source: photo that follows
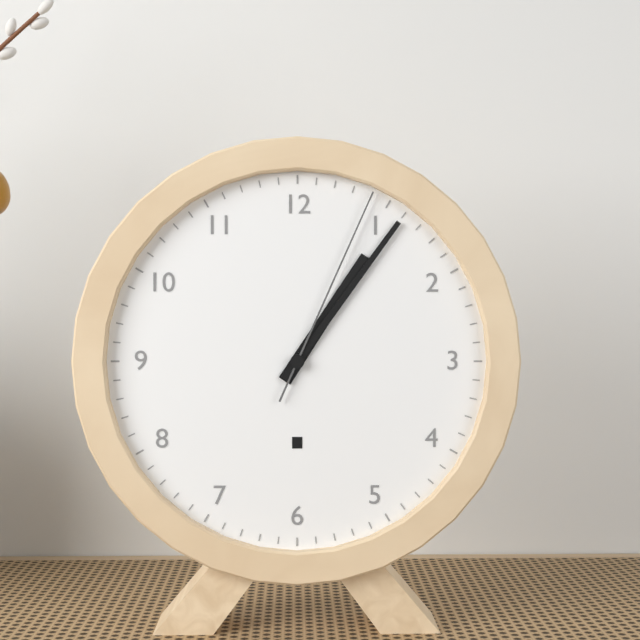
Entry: h=1 m=6 s=4
